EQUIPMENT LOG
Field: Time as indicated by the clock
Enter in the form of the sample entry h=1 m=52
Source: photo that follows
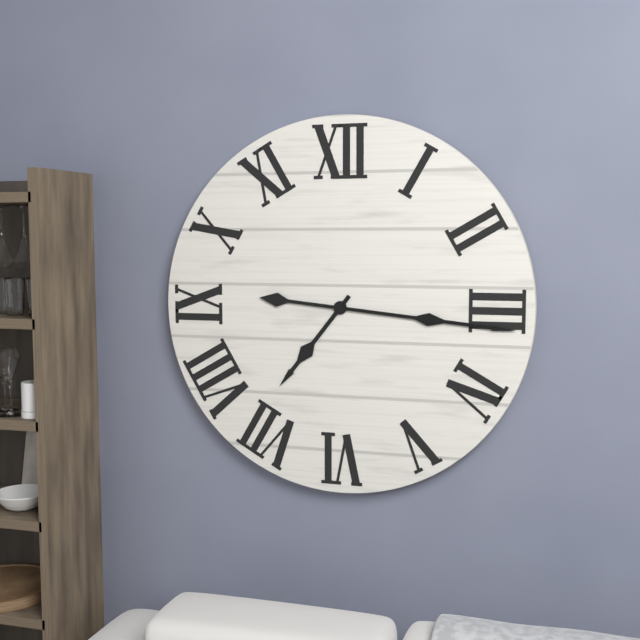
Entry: h=7 m=16
